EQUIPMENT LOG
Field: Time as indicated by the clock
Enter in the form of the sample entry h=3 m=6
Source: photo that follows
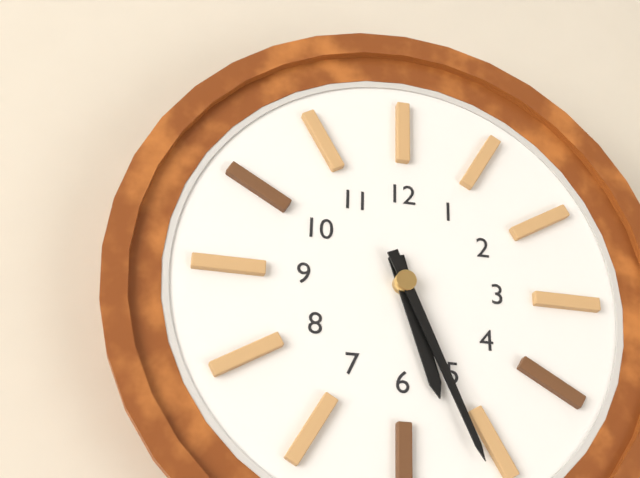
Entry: h=5 m=26
